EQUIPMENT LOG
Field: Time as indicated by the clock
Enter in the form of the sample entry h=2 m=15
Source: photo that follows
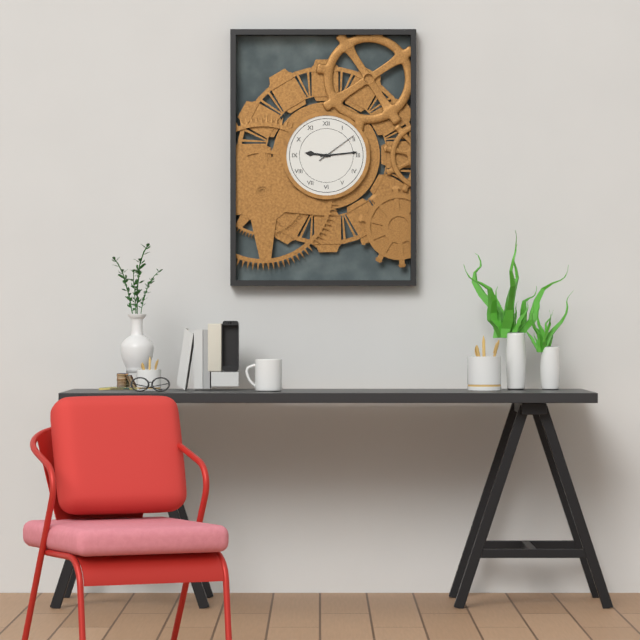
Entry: h=9 m=14
